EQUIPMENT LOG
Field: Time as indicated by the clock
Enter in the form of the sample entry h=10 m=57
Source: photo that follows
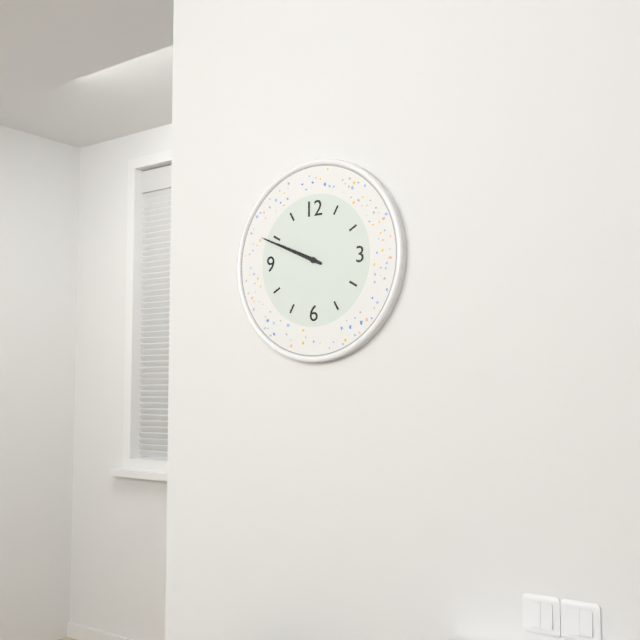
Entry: h=9 m=49
